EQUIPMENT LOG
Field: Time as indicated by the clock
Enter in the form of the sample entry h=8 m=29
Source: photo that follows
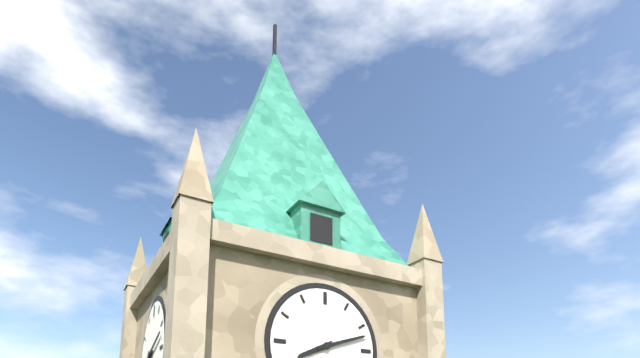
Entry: h=8 m=12
